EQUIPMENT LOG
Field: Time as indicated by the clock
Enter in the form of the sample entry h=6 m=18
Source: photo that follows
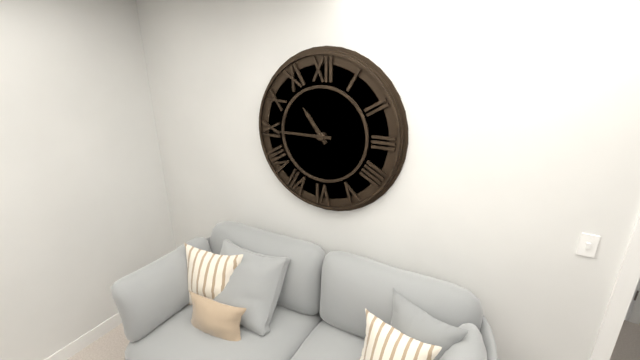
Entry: h=10 m=45
